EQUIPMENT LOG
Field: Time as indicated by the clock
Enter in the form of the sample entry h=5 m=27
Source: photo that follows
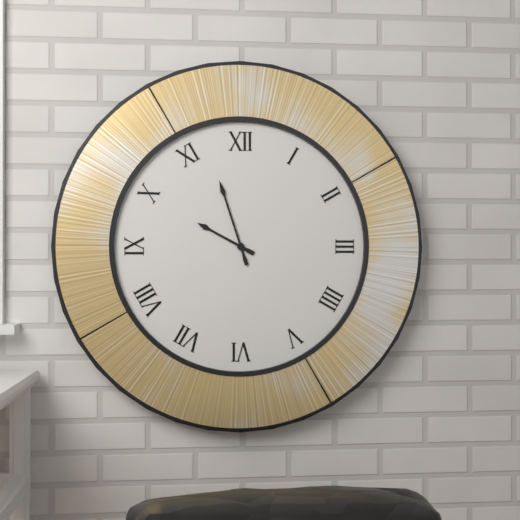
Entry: h=9 m=57
